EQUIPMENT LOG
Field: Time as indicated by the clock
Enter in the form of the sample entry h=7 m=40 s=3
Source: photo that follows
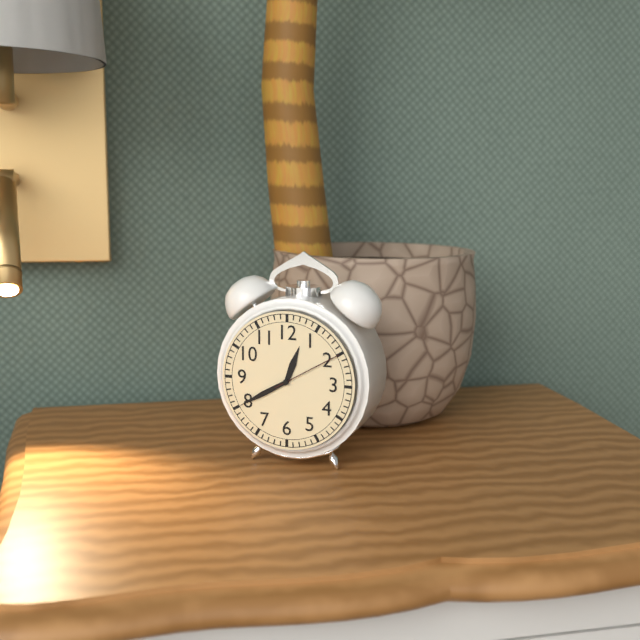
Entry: h=12 m=40 s=10
